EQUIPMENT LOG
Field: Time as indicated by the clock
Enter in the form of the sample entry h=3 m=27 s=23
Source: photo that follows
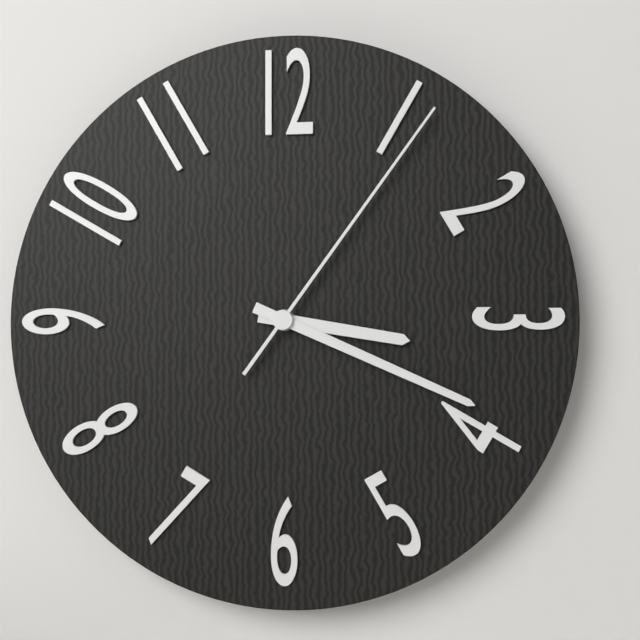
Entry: h=3 m=19 s=6
